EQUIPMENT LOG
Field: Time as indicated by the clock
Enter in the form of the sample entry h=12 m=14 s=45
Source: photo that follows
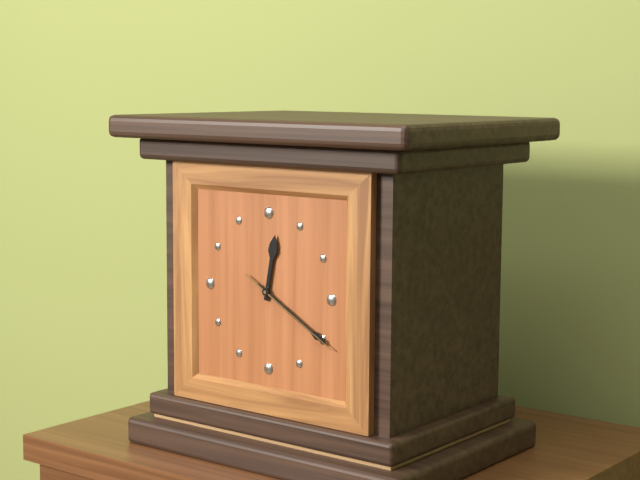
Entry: h=12 m=20 s=20
